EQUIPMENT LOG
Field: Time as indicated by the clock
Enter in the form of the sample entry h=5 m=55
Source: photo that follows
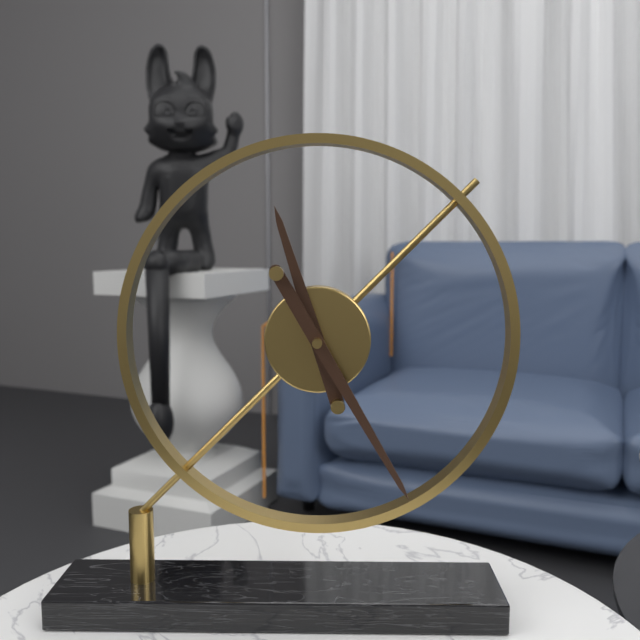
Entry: h=11 m=25
